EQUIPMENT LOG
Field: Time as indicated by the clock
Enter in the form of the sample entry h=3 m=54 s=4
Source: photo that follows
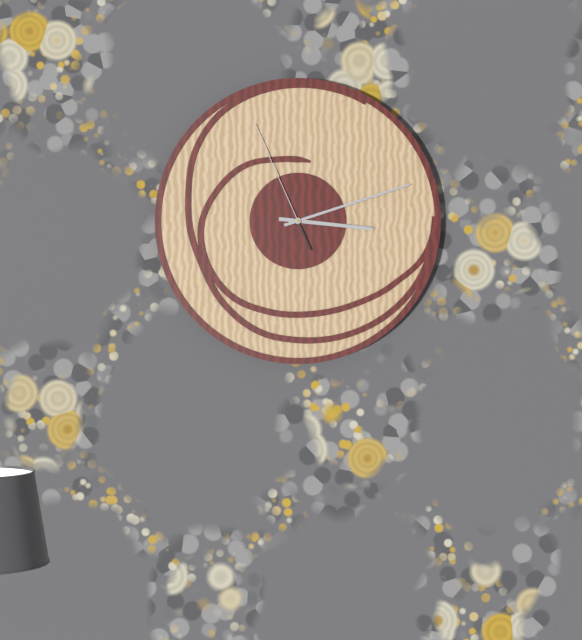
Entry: h=3 m=12 s=56
